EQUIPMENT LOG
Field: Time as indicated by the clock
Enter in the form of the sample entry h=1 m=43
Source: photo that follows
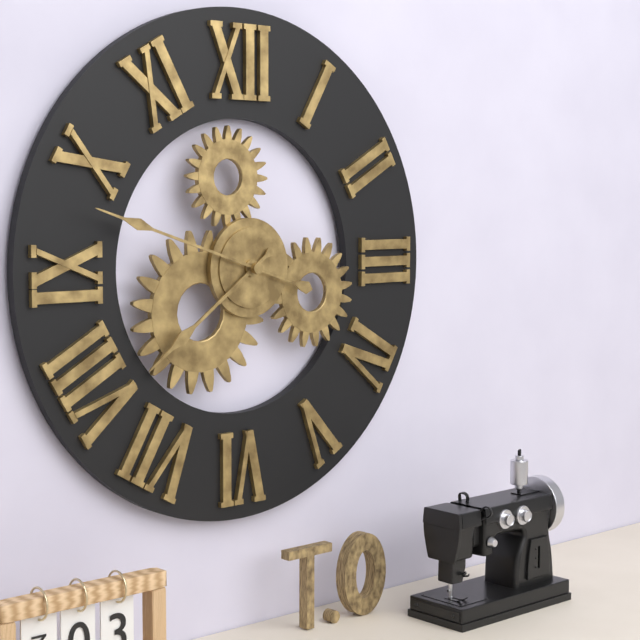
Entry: h=7 m=48
